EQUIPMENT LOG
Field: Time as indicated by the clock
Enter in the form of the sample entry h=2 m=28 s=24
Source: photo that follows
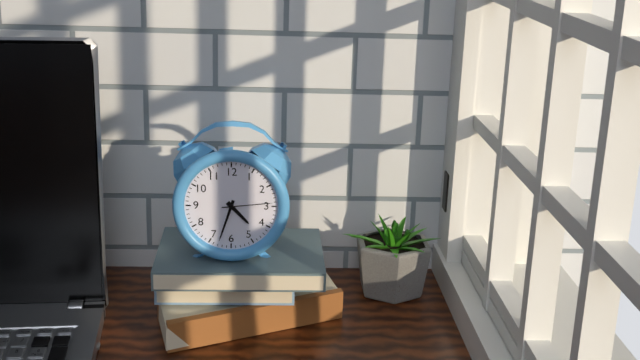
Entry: h=4 m=33 s=14
